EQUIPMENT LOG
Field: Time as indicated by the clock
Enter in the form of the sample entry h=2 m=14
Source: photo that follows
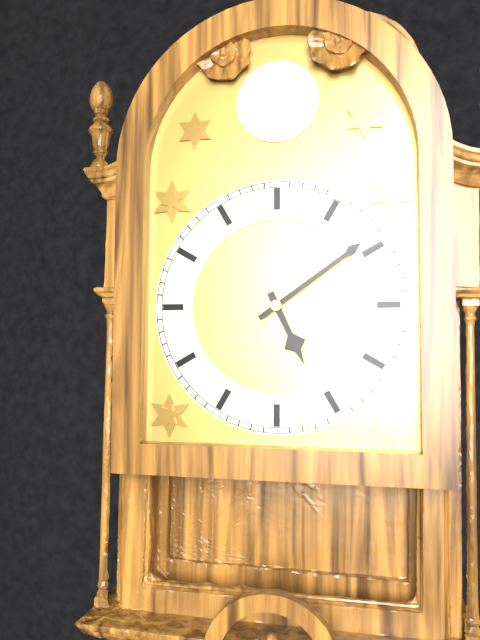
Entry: h=5 m=9
